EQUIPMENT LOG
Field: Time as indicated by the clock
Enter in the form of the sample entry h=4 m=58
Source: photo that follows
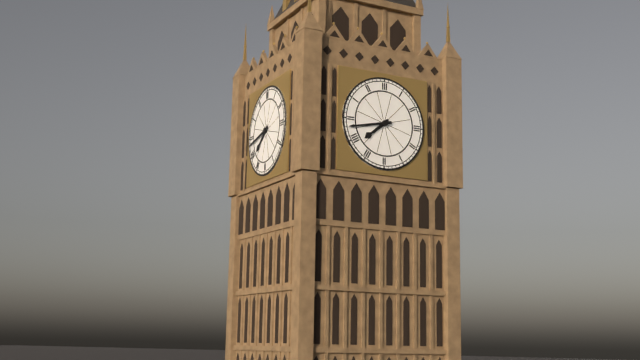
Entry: h=7 m=43
